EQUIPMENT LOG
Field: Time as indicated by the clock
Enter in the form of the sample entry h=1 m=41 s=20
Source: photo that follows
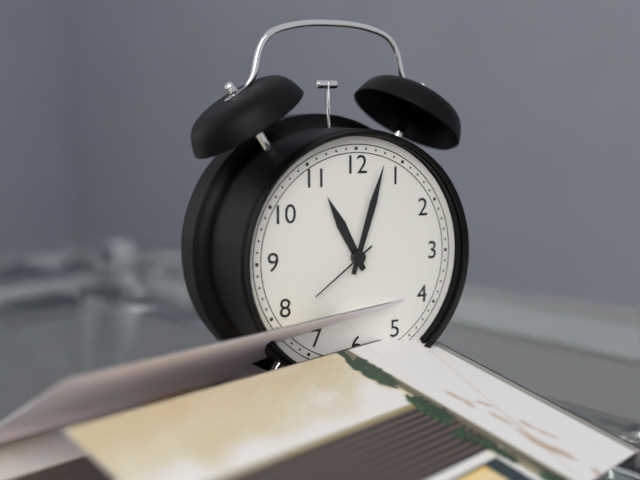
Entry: h=11 m=3 s=39
